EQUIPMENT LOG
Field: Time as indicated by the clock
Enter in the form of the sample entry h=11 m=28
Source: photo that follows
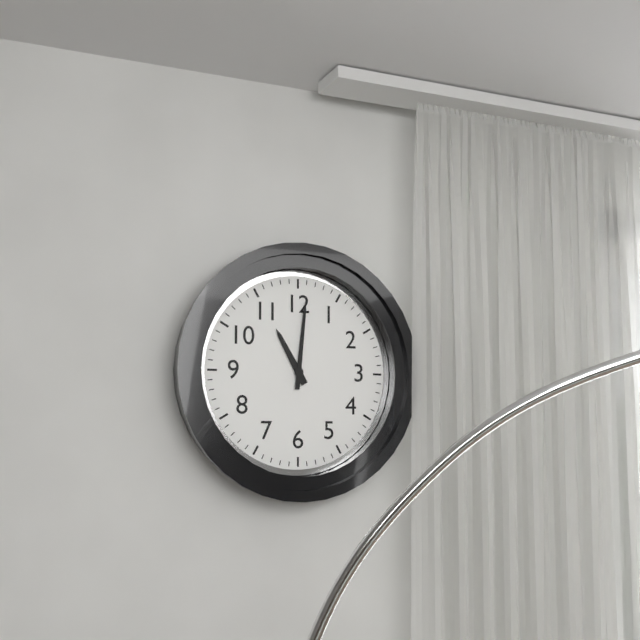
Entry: h=11 m=1
